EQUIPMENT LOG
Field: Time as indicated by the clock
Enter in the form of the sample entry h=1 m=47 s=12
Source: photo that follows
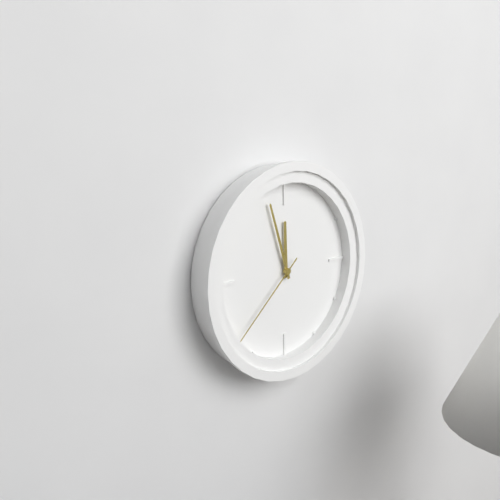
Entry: h=11 m=57 s=38
